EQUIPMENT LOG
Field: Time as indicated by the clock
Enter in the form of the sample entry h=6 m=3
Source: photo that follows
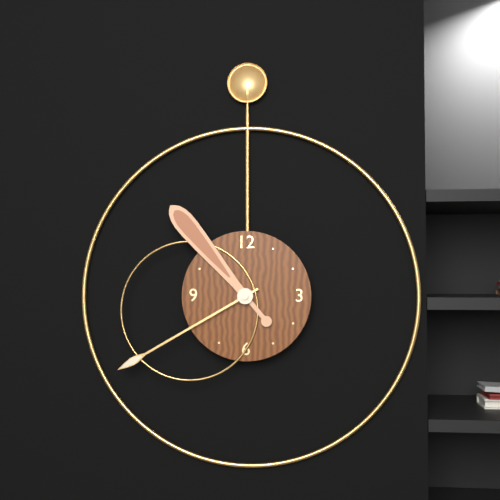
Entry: h=10 m=40
